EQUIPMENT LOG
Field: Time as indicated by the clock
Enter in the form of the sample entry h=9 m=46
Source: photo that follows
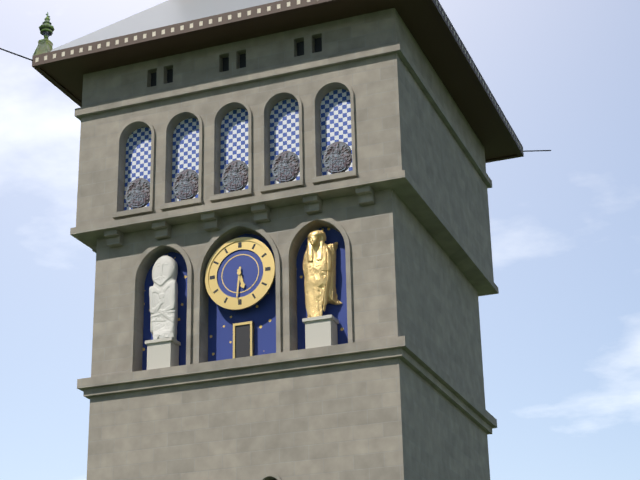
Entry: h=5 m=31
